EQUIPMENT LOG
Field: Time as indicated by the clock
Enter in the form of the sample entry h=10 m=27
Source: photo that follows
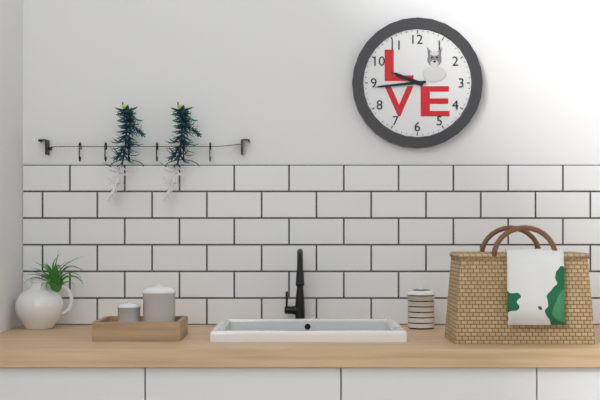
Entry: h=9 m=44
